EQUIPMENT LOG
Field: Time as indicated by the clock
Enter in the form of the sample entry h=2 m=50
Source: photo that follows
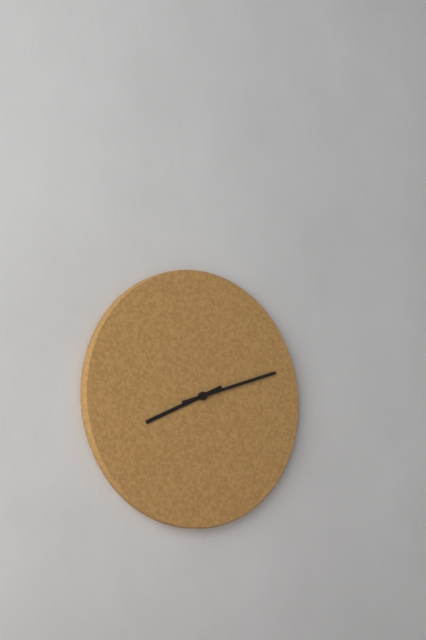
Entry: h=8 m=12
